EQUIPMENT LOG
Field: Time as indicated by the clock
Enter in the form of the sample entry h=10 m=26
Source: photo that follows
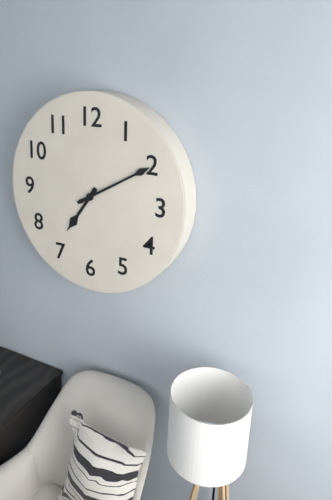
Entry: h=7 m=10
